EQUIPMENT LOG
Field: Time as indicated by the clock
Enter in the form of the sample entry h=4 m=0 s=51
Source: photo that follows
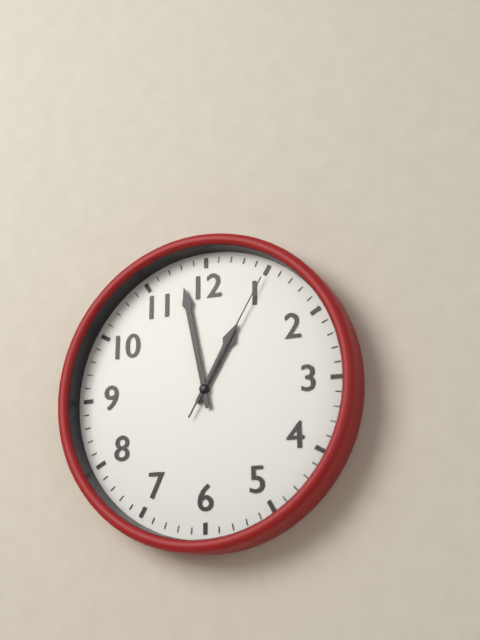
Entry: h=12 m=58 s=5
